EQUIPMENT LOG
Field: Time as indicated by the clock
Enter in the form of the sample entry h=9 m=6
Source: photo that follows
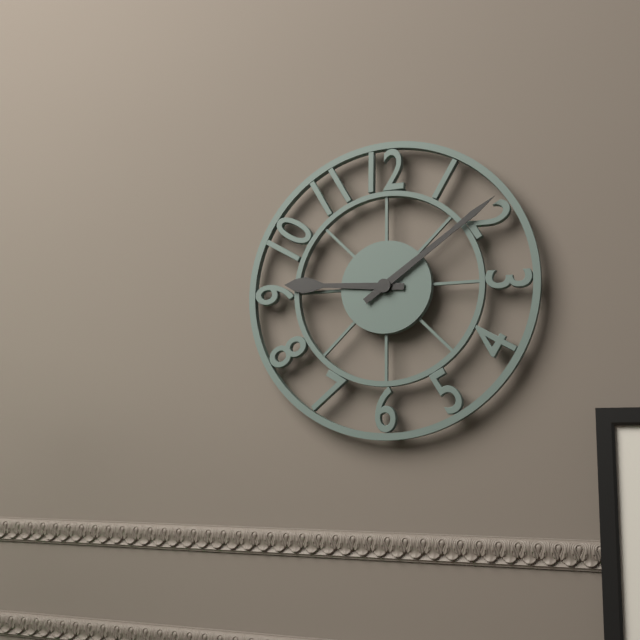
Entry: h=9 m=9
